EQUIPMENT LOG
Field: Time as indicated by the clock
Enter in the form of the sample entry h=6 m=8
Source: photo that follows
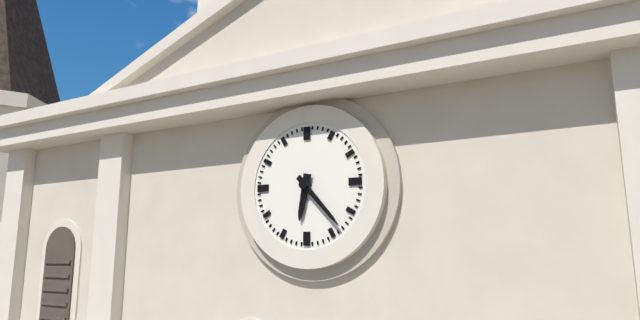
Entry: h=6 m=23
